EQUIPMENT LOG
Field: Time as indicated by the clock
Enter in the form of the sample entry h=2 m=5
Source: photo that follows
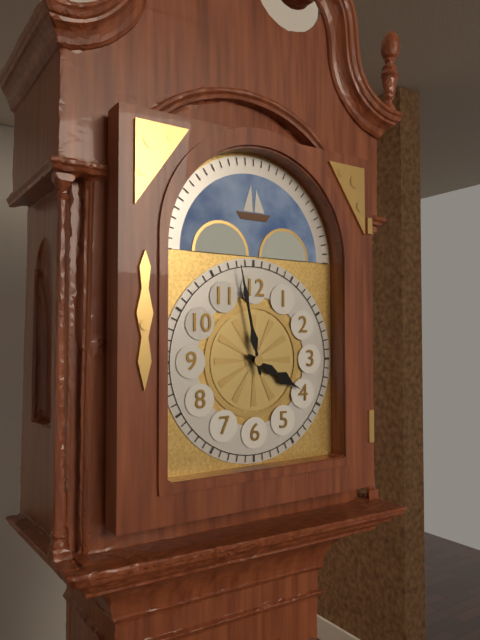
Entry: h=3 m=58
